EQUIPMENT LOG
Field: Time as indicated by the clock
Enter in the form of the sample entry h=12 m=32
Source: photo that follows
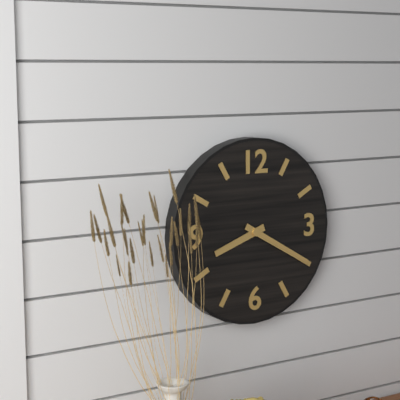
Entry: h=8 m=20
